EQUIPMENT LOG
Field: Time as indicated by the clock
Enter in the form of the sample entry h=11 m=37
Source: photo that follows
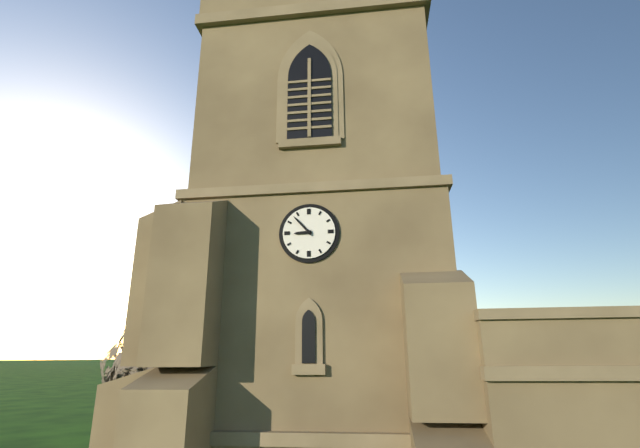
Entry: h=8 m=53
